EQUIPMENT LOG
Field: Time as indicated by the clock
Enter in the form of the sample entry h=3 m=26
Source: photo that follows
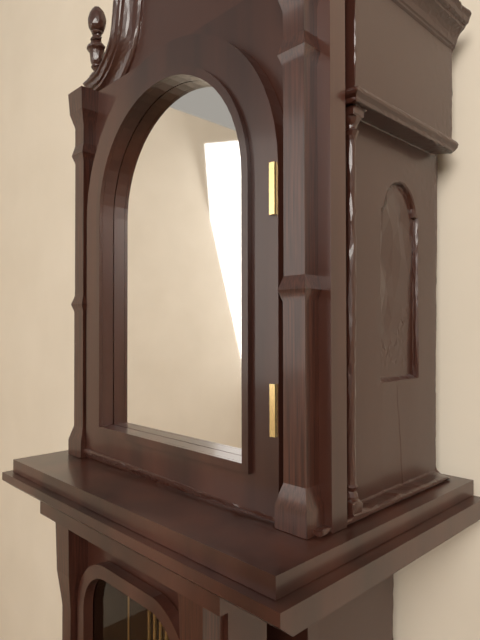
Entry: h=12 m=46
